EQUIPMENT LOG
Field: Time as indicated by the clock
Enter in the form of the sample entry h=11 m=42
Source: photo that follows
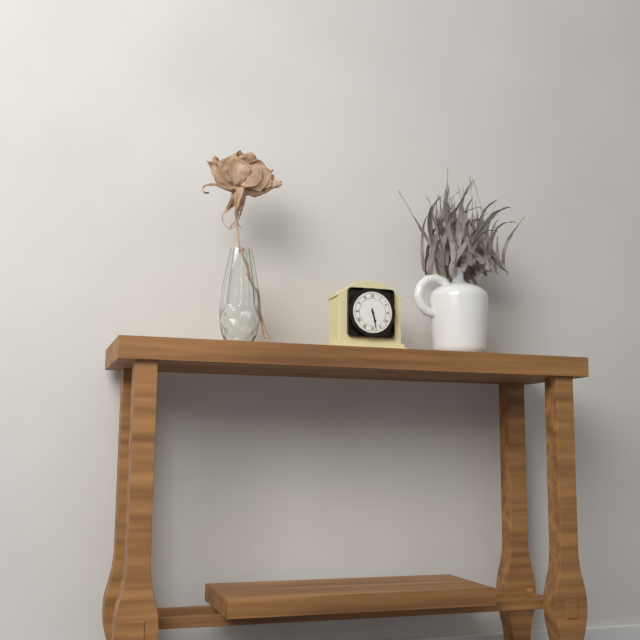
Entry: h=5 m=28
